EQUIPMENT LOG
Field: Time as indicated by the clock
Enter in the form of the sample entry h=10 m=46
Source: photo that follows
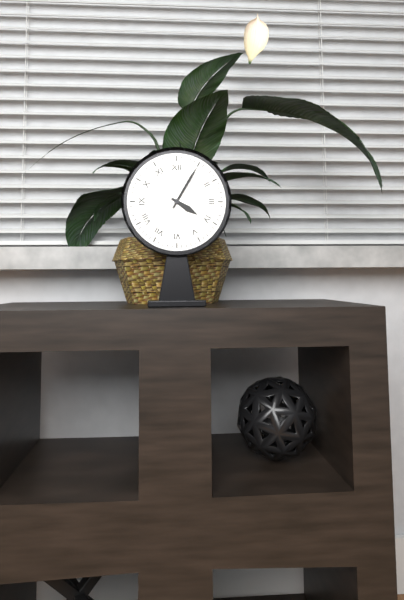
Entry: h=4 m=5
